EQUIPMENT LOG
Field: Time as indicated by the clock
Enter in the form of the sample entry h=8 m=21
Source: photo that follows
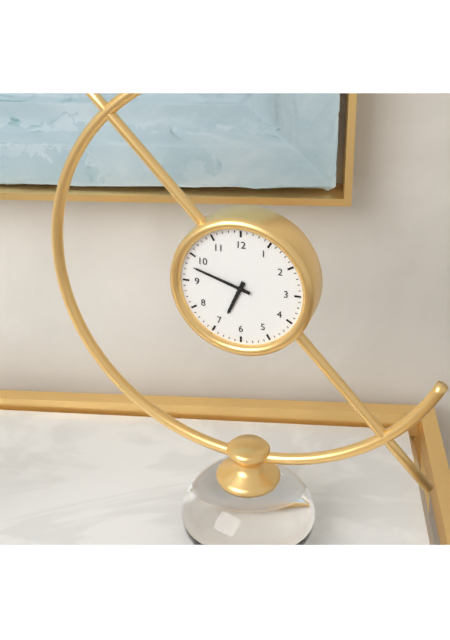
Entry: h=6 m=48
